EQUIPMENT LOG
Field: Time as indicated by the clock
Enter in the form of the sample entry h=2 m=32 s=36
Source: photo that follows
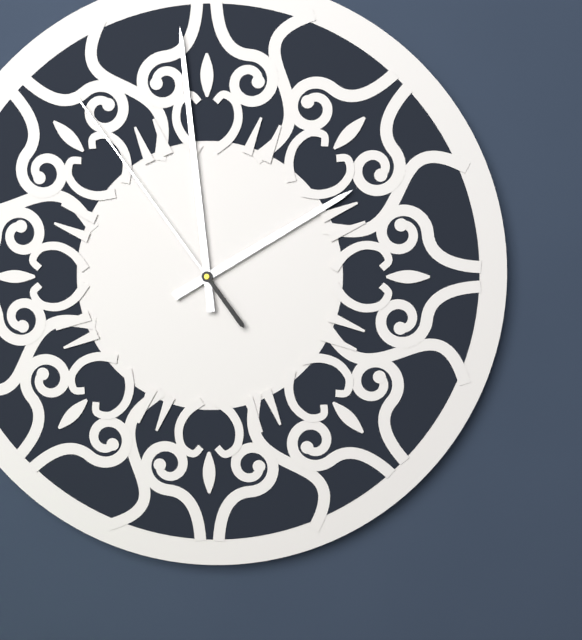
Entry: h=1 m=59 s=54
